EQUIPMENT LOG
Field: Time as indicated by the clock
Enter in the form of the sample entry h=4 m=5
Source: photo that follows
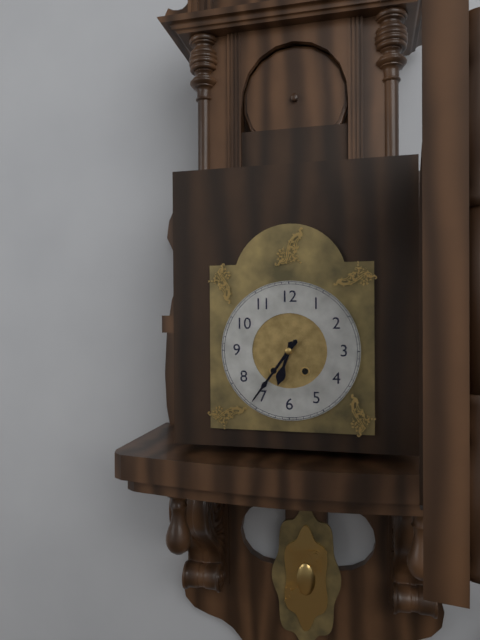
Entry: h=6 m=36
